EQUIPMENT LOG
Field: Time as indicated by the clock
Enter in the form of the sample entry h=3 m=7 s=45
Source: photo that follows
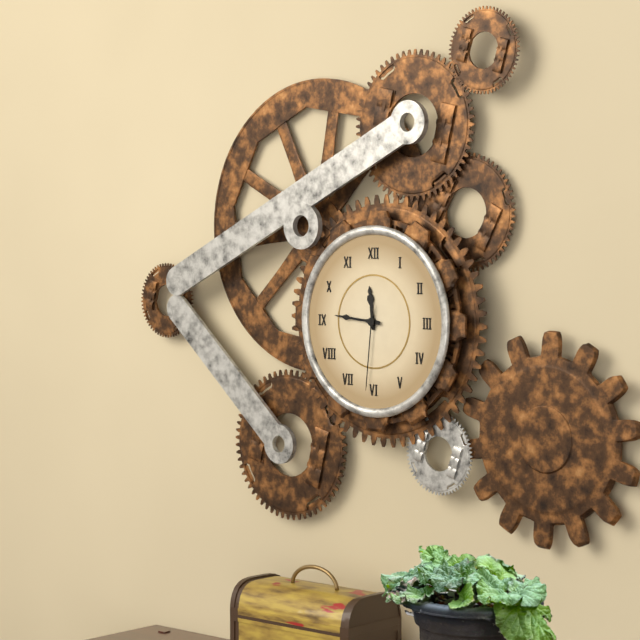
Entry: h=11 m=46 s=31
